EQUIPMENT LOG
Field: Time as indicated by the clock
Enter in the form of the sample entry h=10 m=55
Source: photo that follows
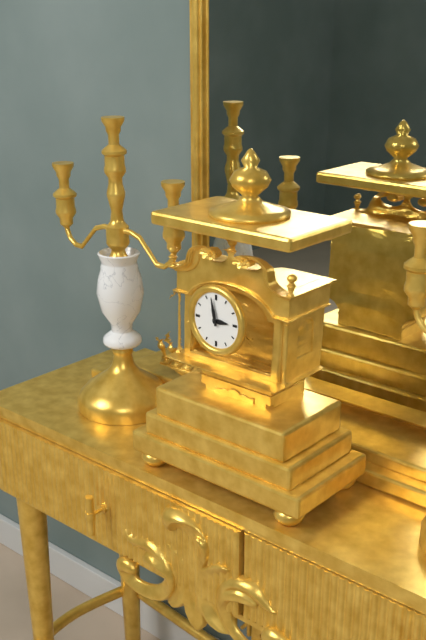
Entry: h=2 m=58
